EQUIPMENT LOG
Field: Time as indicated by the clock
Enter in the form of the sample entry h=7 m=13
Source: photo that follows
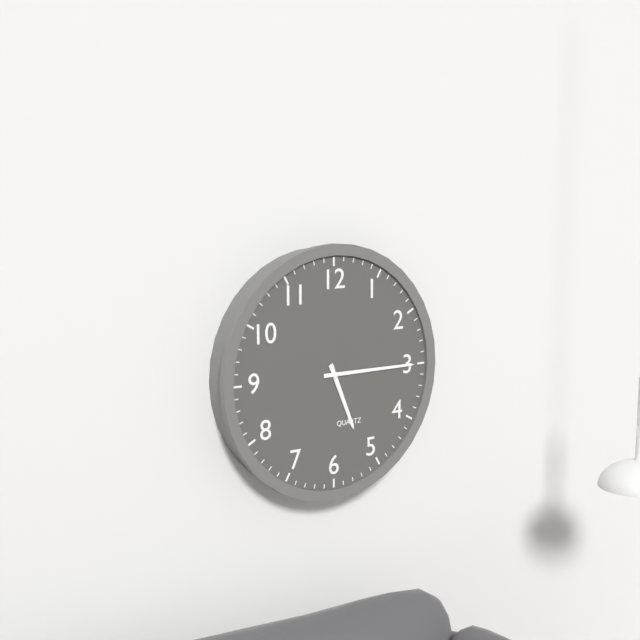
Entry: h=5 m=15
